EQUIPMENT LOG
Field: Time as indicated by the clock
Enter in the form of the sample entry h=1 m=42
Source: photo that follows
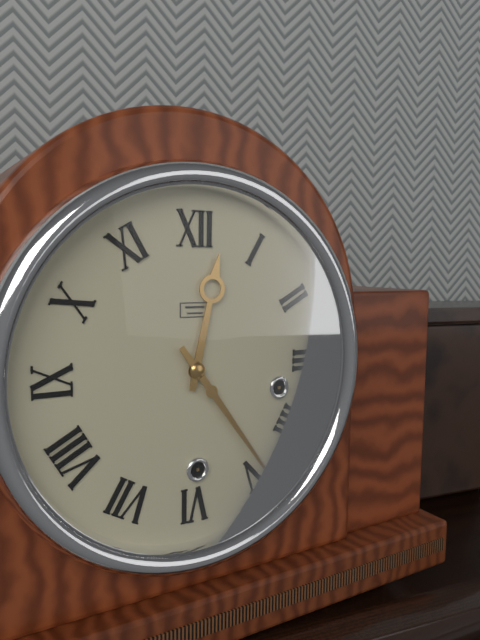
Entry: h=12 m=24
